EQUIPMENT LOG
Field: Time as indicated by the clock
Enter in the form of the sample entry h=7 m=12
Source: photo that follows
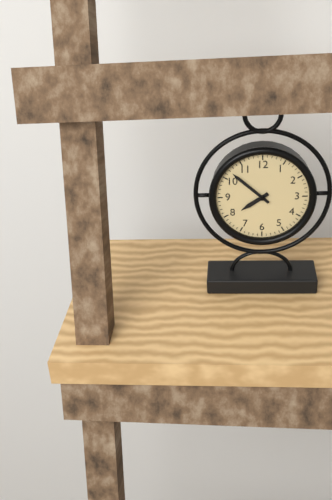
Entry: h=7 m=52
